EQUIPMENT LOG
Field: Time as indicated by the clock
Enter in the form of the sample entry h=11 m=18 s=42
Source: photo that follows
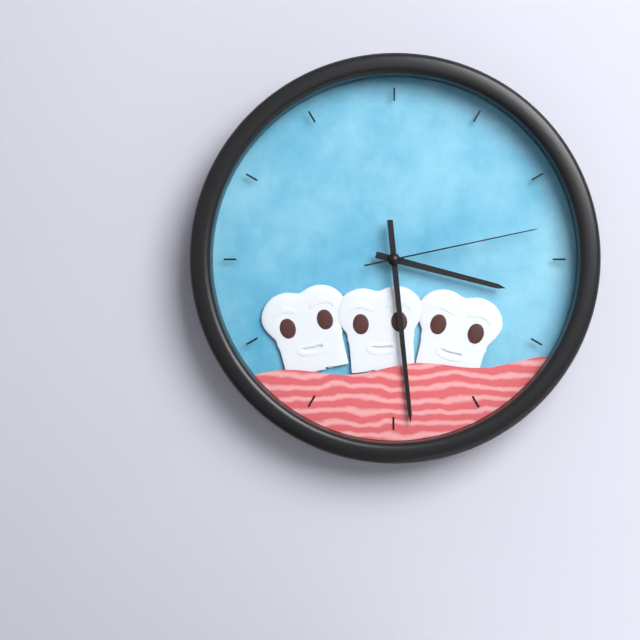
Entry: h=3 m=29 s=13
